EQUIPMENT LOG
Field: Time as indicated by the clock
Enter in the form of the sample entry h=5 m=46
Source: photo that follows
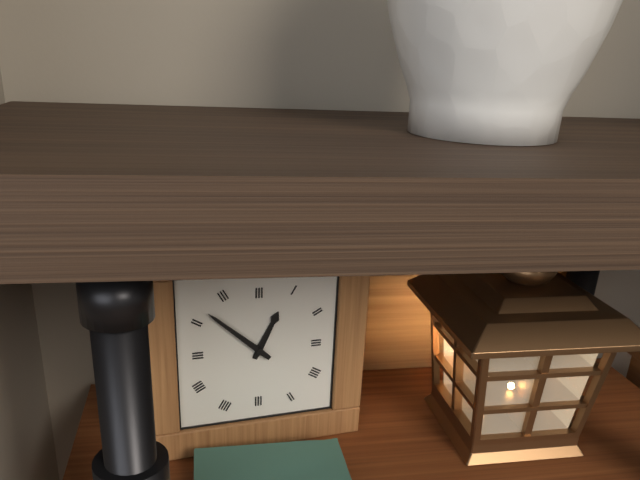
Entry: h=12 m=52
